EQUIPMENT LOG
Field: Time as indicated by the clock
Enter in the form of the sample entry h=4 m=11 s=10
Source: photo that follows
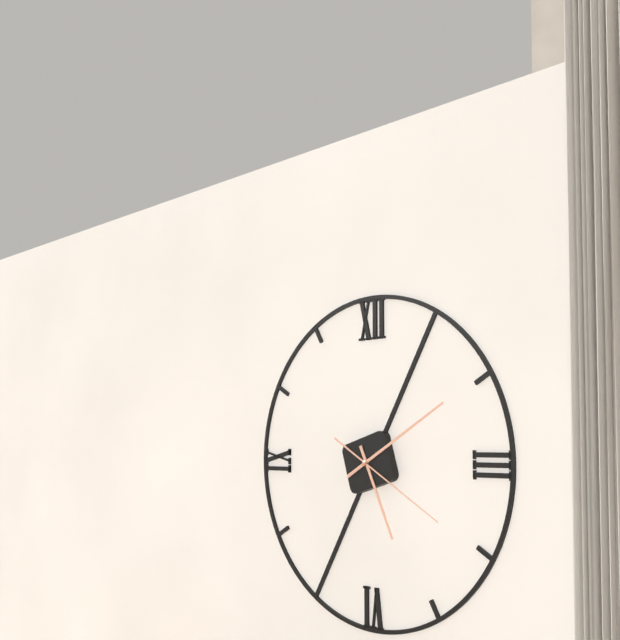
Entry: h=5 m=10 s=20
